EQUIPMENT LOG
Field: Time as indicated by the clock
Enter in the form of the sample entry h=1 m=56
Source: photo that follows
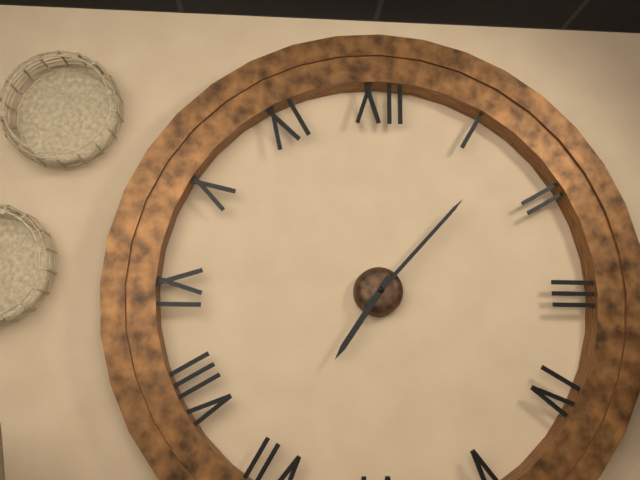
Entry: h=7 m=7
